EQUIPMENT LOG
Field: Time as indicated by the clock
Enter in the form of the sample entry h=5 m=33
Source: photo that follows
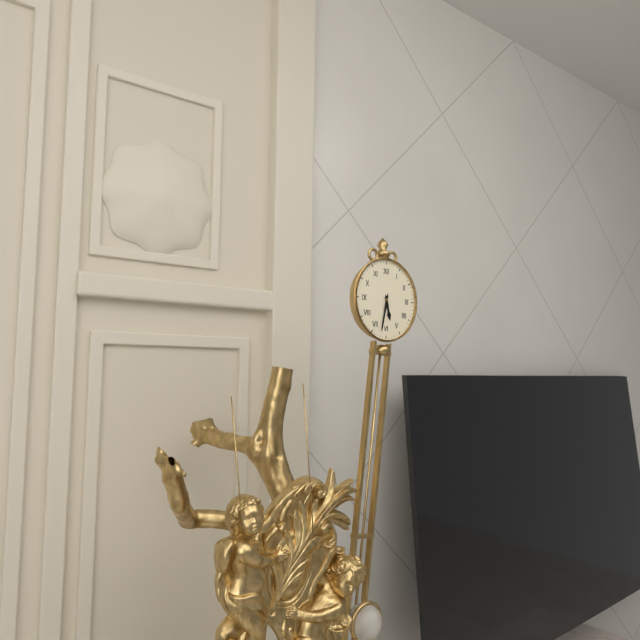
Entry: h=5 m=32
